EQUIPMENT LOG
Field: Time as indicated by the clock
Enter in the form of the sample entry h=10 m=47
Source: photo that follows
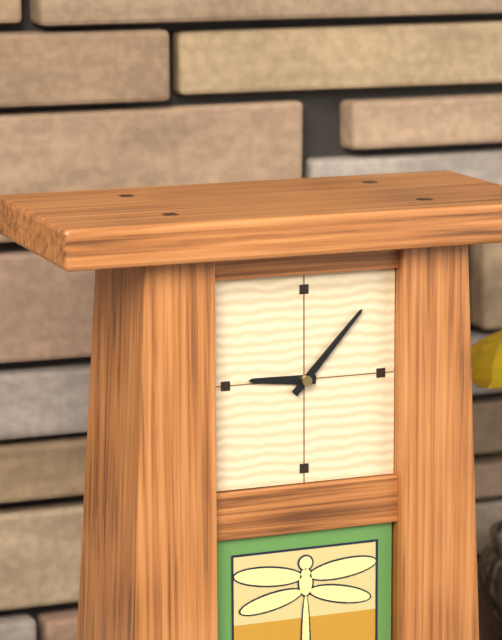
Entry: h=9 m=7
